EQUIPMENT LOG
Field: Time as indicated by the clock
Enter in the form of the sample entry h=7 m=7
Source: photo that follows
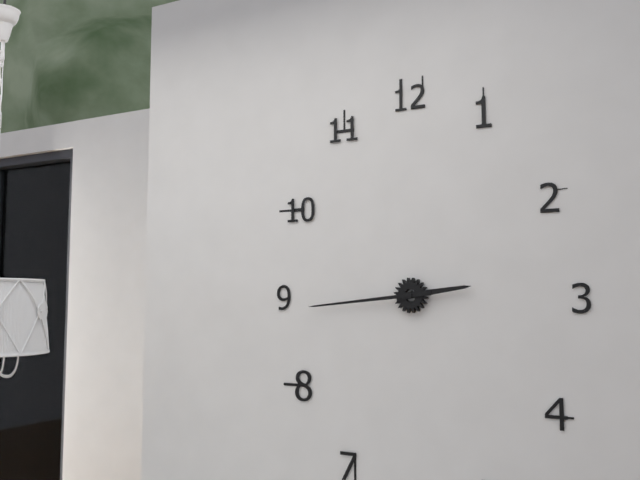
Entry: h=2 m=44
